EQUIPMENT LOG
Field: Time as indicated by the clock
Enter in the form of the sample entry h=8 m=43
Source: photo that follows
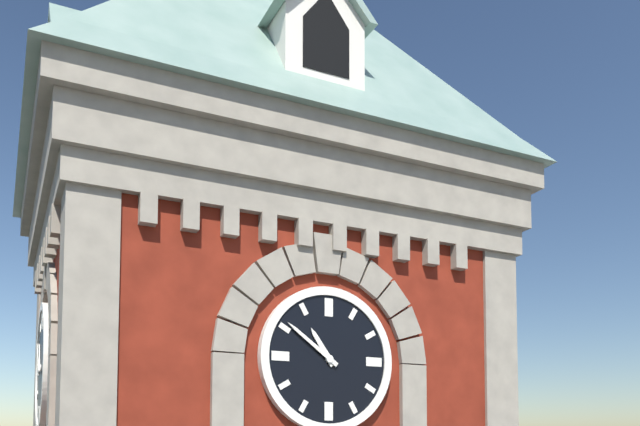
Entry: h=10 m=51
